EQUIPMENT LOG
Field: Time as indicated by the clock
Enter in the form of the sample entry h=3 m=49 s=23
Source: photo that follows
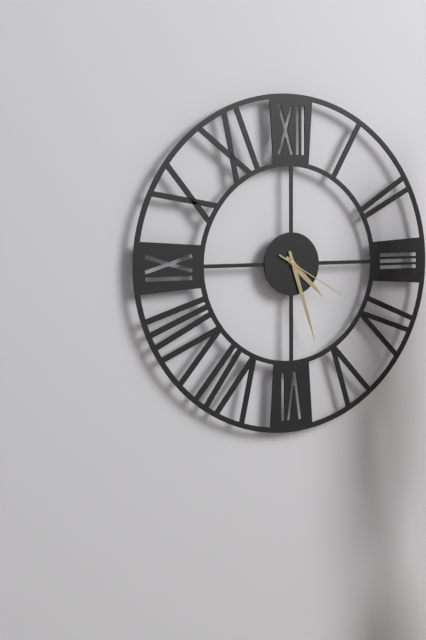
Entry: h=4 m=27 s=20
